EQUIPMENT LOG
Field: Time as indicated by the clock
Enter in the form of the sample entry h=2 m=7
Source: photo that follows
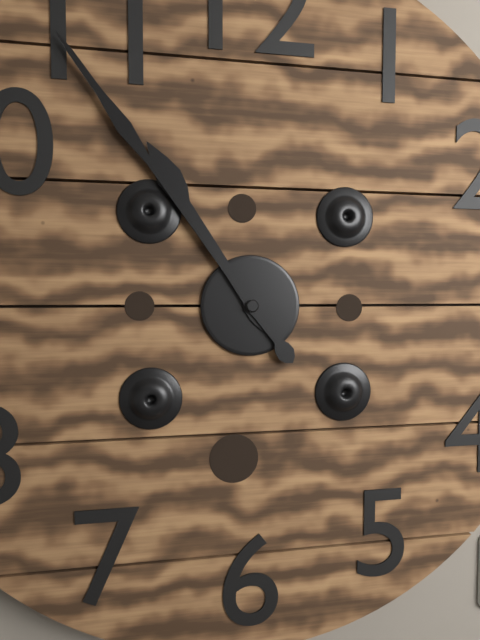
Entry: h=10 m=54
